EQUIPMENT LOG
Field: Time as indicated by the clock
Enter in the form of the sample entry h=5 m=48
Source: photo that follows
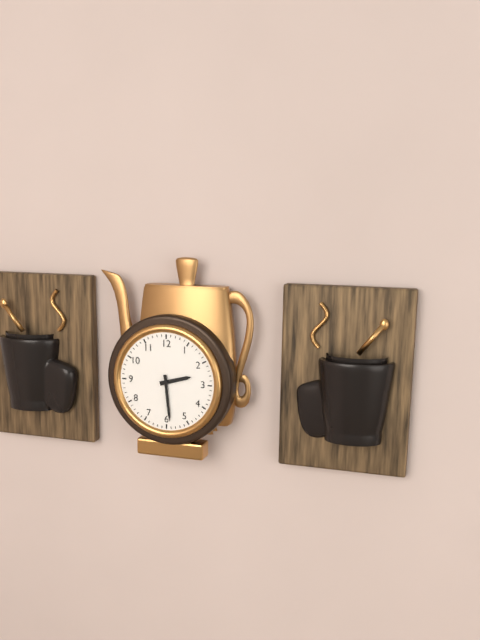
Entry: h=2 m=29
